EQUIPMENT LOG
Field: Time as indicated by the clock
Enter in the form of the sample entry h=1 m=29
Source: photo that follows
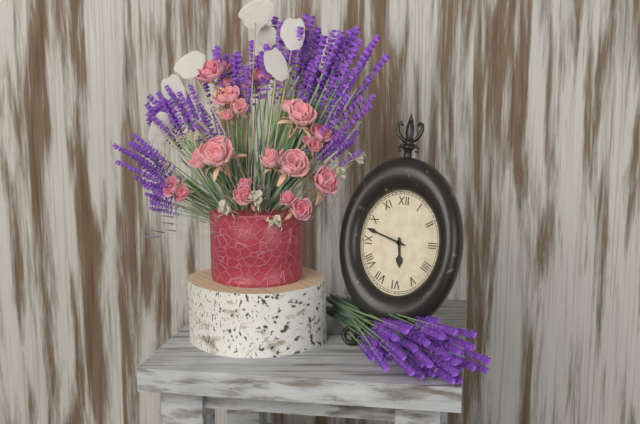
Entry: h=5 m=48
